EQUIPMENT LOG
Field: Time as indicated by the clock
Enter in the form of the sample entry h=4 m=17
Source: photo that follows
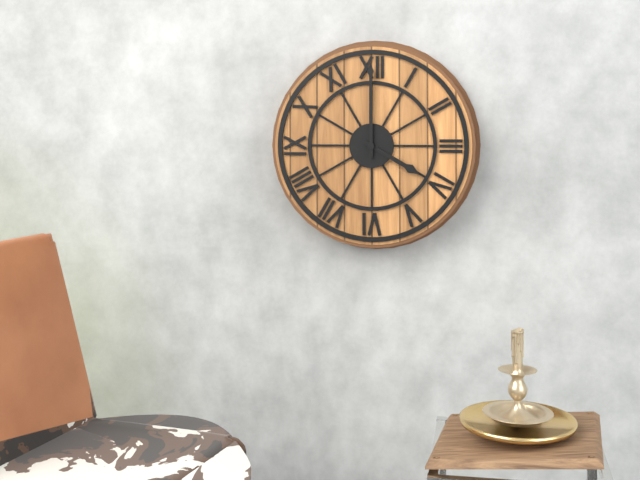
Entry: h=4 m=0
